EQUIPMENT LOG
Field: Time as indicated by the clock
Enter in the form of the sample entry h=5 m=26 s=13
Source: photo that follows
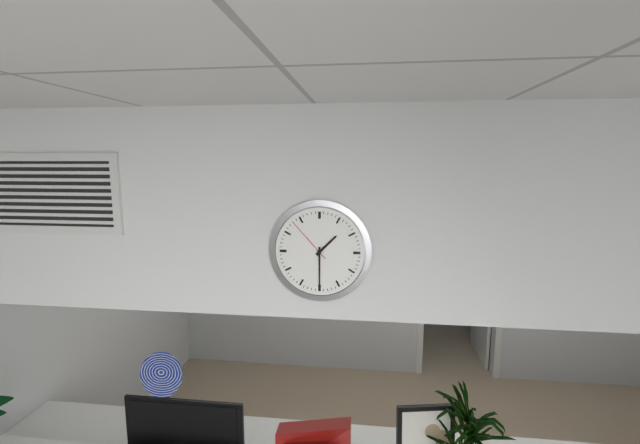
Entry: h=1 m=30 s=53
